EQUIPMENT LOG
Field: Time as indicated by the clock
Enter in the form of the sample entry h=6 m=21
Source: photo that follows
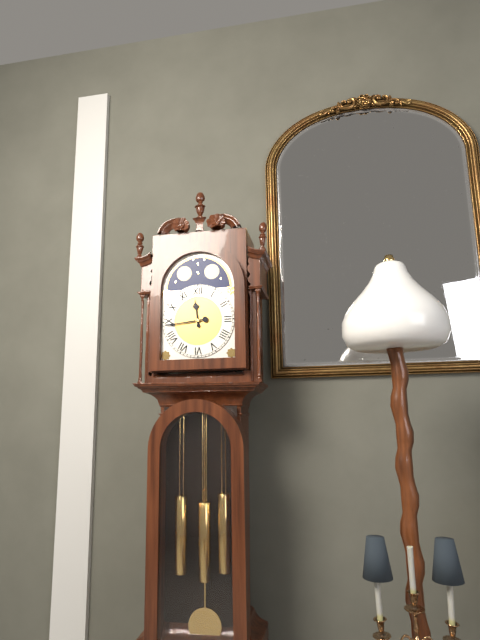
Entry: h=11 m=44
